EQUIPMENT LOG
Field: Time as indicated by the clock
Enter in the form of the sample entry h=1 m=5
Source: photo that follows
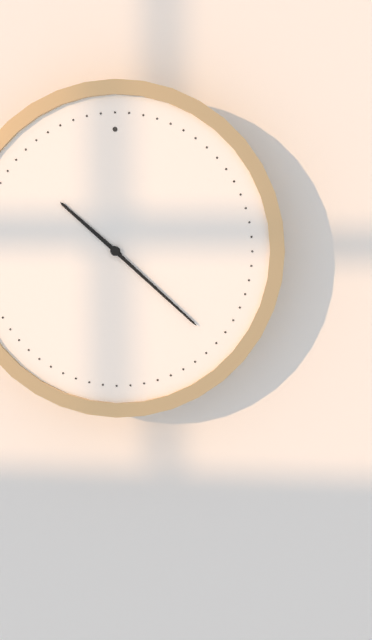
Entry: h=10 m=22
